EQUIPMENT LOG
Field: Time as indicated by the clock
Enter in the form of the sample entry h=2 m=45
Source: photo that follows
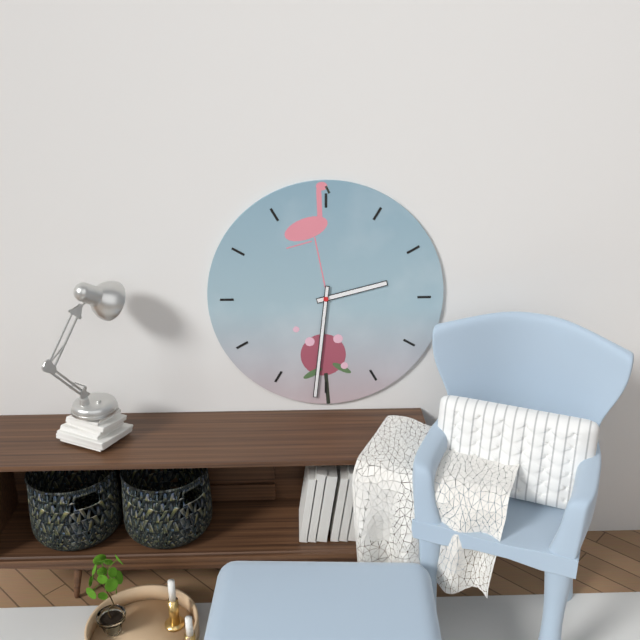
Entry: h=2 m=31
